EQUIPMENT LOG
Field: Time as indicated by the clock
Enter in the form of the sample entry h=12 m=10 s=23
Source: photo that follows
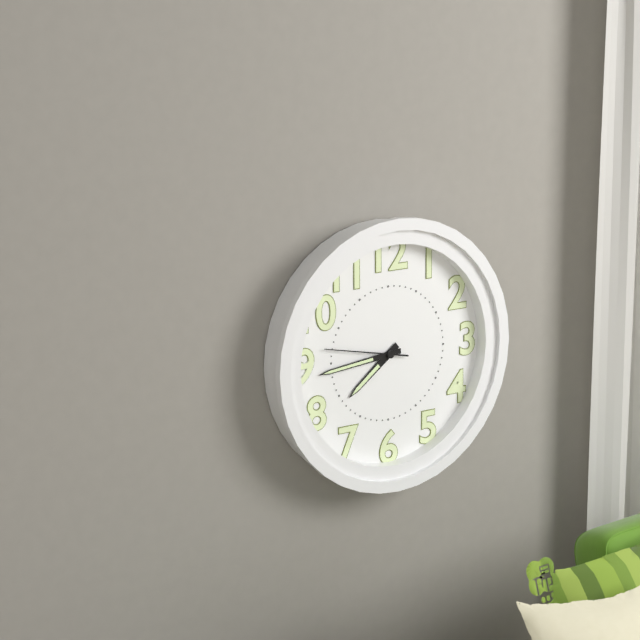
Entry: h=7 m=44 s=47
